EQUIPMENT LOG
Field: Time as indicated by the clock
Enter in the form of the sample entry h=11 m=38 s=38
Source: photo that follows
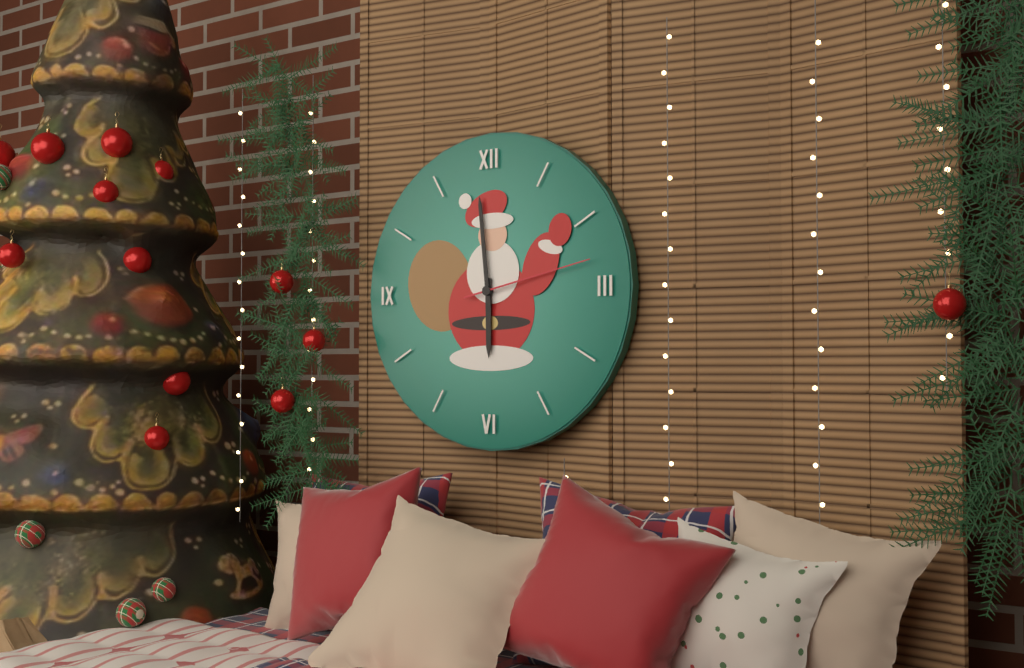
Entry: h=5 m=59 s=13
